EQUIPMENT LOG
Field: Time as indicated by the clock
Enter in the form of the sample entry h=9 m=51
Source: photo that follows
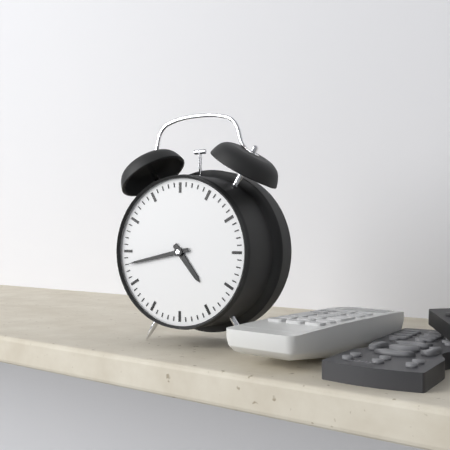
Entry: h=4 m=43
